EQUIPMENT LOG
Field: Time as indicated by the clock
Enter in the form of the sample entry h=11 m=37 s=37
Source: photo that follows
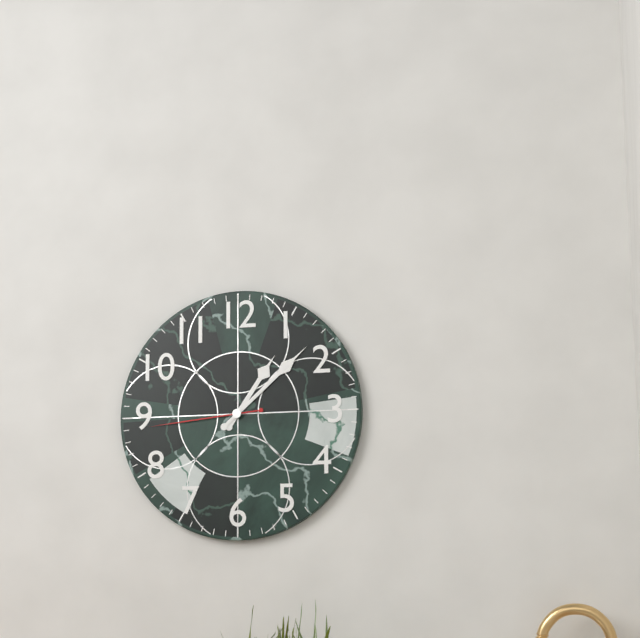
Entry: h=1 m=8 s=44
